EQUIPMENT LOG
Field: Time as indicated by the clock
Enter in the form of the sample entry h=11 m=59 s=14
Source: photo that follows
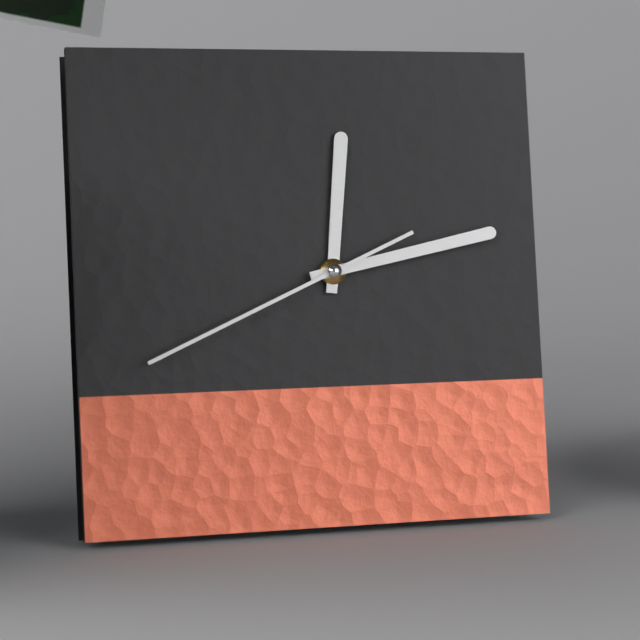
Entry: h=12 m=13 s=41
